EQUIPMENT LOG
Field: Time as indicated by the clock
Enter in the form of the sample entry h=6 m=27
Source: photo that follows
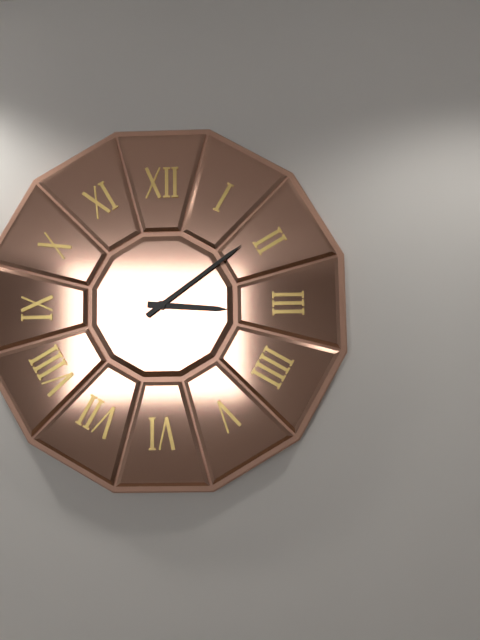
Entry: h=3 m=9
